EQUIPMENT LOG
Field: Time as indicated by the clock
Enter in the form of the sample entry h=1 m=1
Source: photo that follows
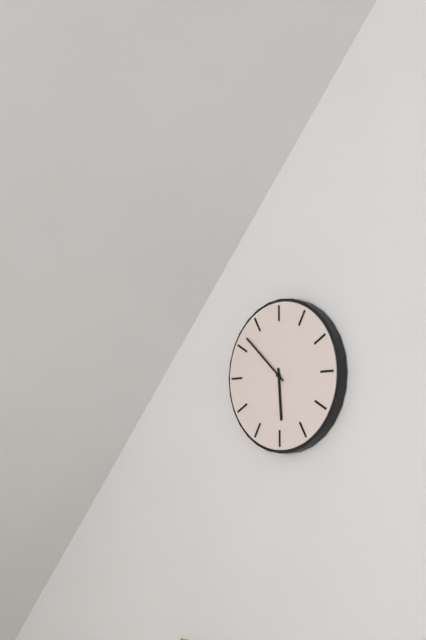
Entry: h=5 m=52
